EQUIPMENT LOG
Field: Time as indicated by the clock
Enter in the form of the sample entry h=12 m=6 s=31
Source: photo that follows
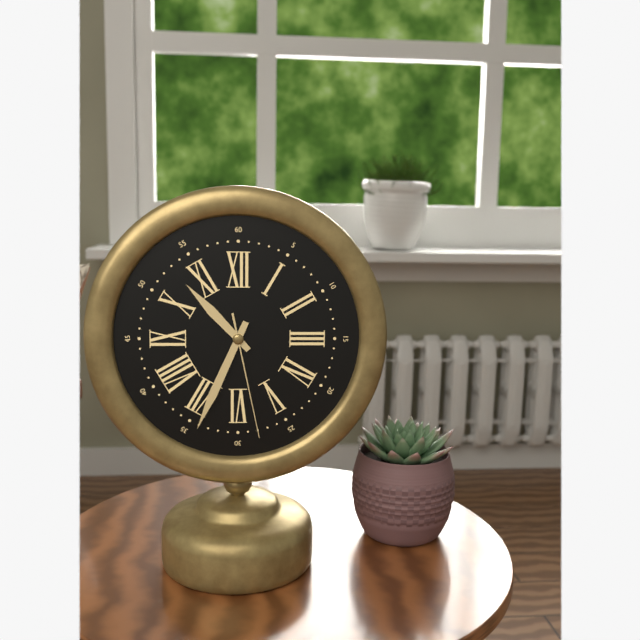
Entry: h=10 m=34 s=28
